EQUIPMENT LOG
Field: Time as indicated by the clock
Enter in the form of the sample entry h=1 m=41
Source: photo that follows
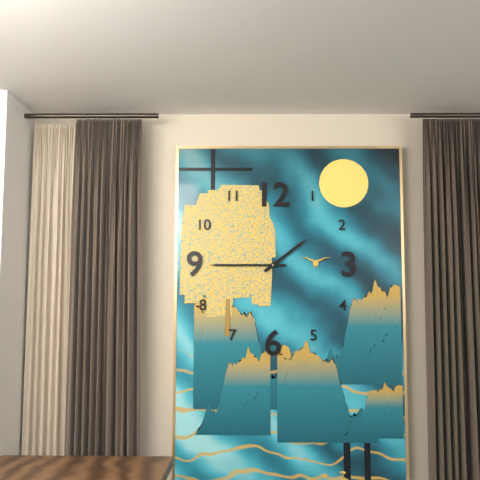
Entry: h=1 m=45
